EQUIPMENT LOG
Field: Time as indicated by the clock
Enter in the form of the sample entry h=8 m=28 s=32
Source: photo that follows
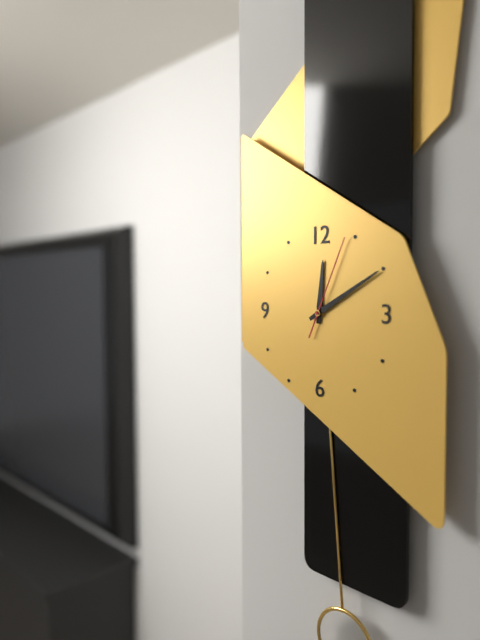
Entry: h=12 m=10 s=4
